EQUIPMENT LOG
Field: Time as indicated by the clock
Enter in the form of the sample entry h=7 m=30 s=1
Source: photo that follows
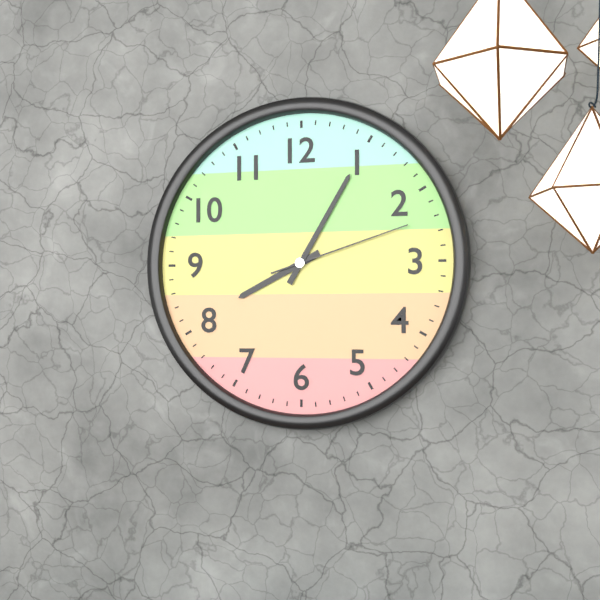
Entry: h=8 m=5 s=12
